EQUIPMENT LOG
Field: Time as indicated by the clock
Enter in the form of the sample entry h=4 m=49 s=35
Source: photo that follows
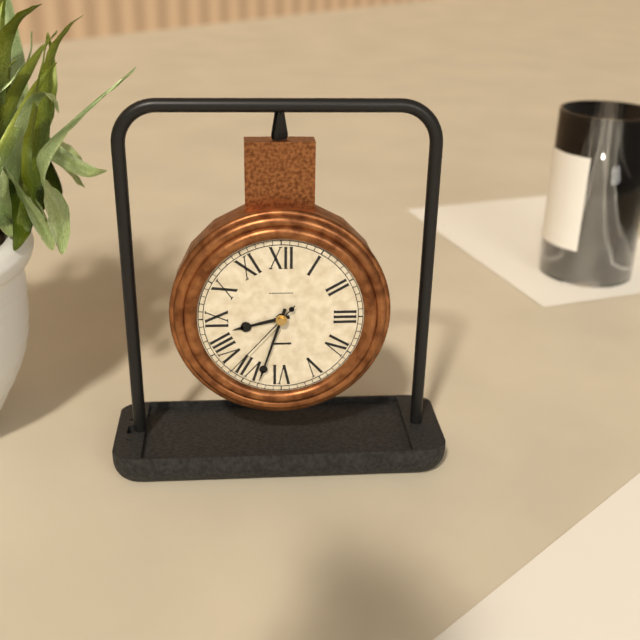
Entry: h=8 m=33 s=37
